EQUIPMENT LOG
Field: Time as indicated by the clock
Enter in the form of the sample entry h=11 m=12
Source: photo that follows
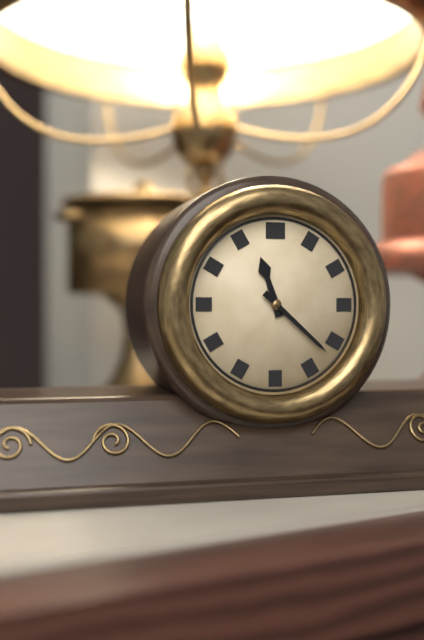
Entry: h=11 m=22
